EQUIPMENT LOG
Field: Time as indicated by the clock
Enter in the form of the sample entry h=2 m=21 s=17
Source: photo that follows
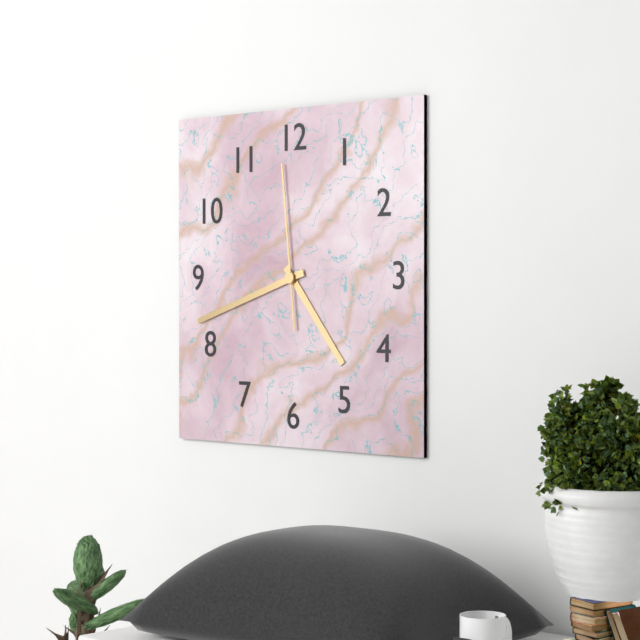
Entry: h=4 m=42 s=59
